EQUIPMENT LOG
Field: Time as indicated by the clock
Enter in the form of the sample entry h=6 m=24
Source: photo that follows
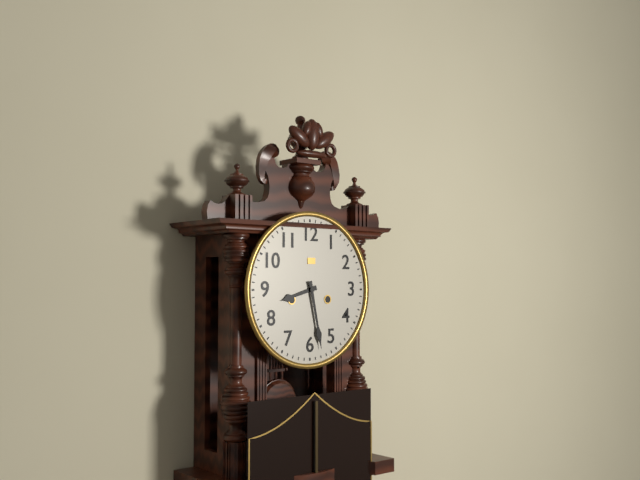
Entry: h=8 m=28
